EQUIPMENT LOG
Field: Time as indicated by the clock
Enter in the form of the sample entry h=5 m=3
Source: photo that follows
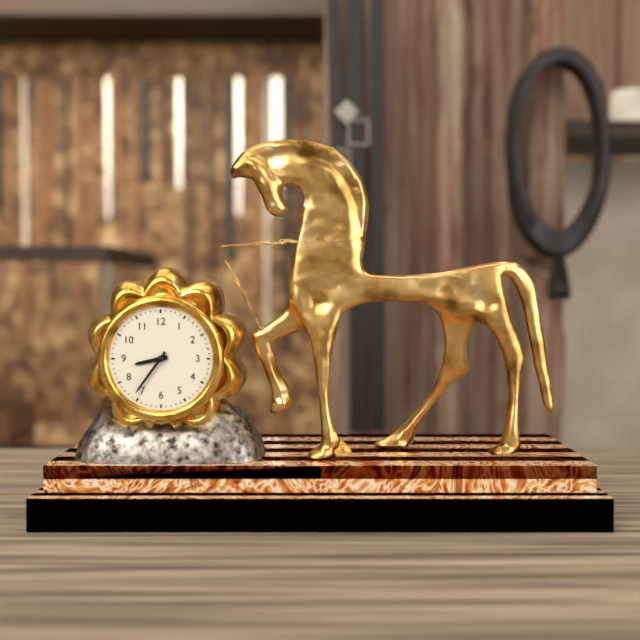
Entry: h=8 m=36
